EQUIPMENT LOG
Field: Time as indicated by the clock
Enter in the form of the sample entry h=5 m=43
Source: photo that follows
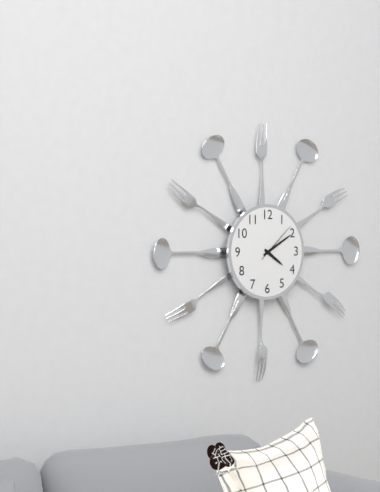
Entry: h=4 m=10
